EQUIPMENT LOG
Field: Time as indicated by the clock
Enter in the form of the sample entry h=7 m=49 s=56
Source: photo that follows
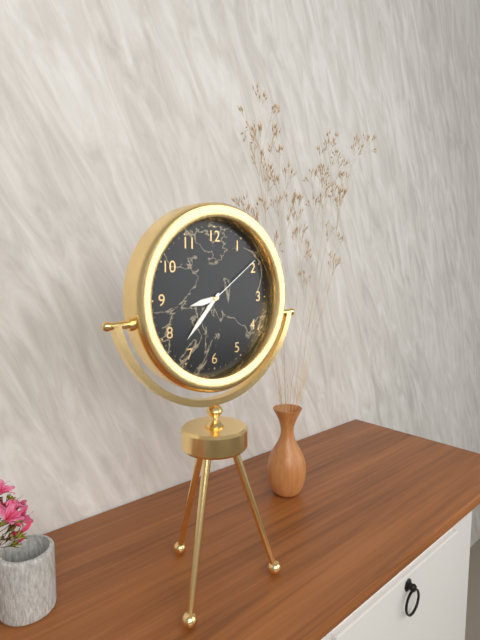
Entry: h=8 m=37 s=9
